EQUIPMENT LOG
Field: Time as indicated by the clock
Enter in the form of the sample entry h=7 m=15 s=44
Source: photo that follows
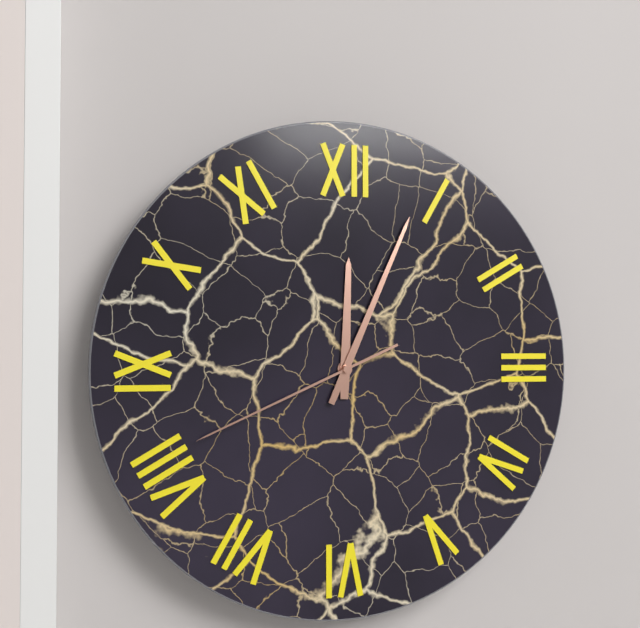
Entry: h=12 m=4 s=41
